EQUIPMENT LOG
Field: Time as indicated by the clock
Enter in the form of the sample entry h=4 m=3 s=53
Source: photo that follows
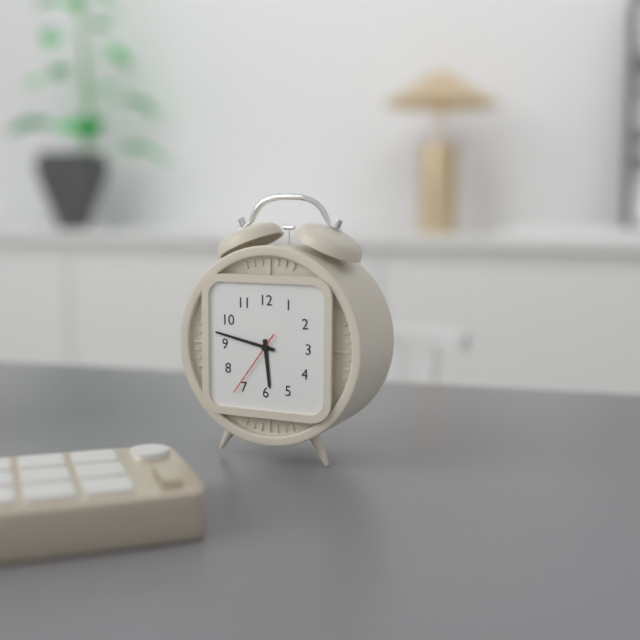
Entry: h=5 m=47 s=36
